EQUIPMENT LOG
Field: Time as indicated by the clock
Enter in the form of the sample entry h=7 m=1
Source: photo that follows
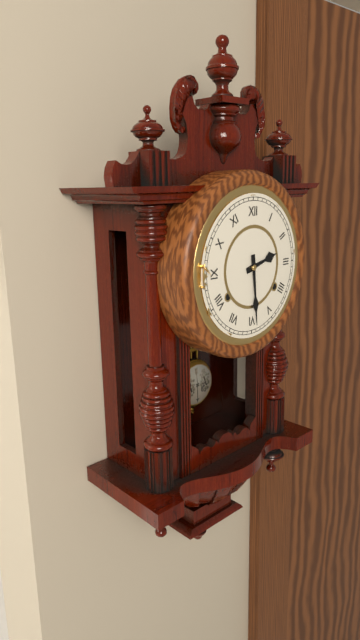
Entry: h=2 m=29
